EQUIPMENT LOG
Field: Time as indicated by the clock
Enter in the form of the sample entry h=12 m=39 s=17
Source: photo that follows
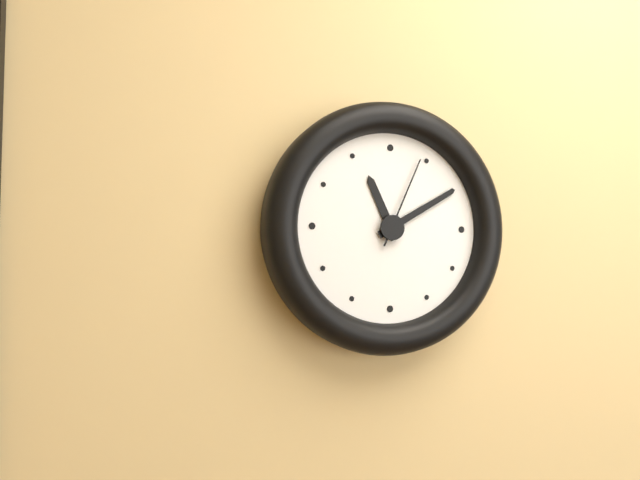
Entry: h=11 m=10 s=4
